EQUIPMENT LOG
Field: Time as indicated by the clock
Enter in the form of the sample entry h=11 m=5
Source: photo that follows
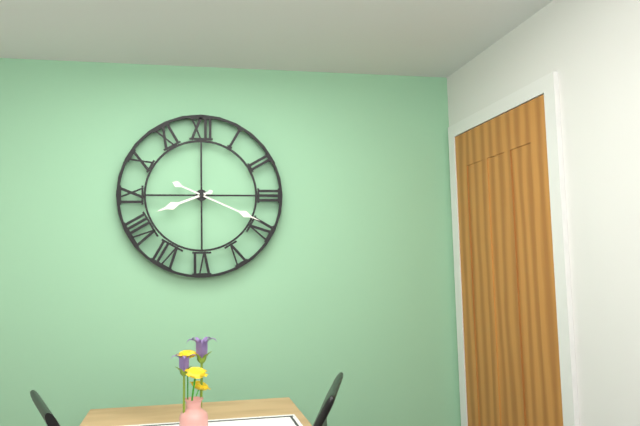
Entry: h=8 m=19
